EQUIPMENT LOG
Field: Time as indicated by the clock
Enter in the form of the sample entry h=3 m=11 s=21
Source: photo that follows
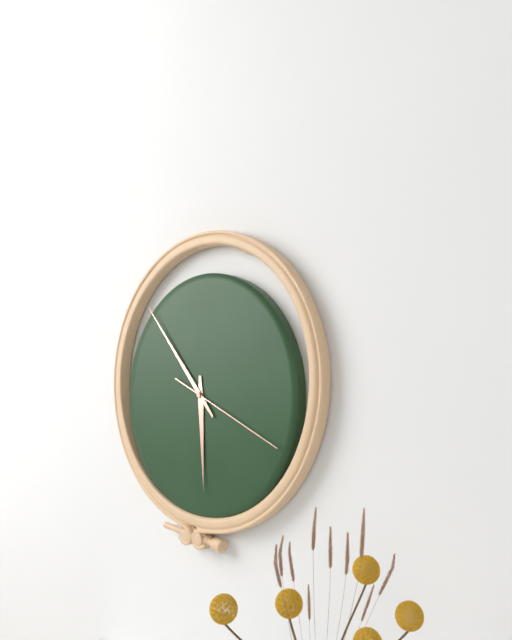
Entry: h=5 m=53 s=19
